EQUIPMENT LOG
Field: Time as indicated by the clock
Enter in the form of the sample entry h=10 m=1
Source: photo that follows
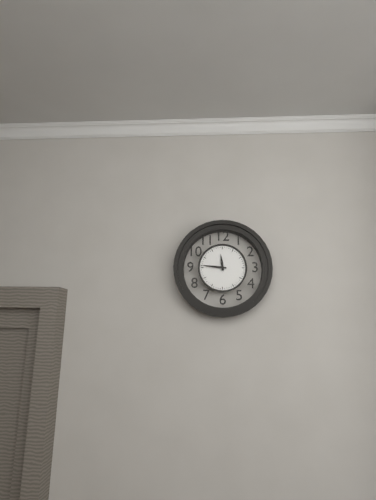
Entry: h=11 m=46
